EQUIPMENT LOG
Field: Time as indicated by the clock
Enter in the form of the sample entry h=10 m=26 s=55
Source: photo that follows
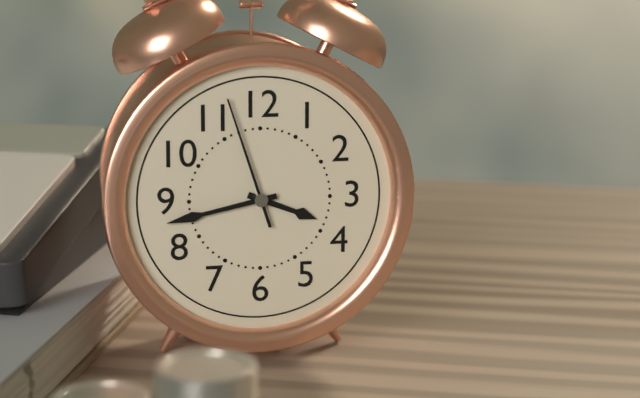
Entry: h=3 m=43 s=57
